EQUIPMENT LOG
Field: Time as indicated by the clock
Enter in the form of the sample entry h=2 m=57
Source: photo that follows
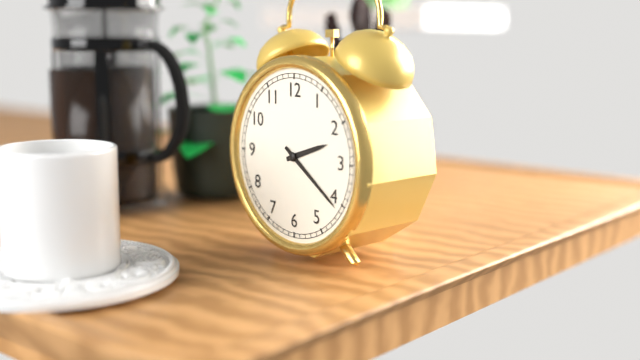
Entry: h=2 m=21
